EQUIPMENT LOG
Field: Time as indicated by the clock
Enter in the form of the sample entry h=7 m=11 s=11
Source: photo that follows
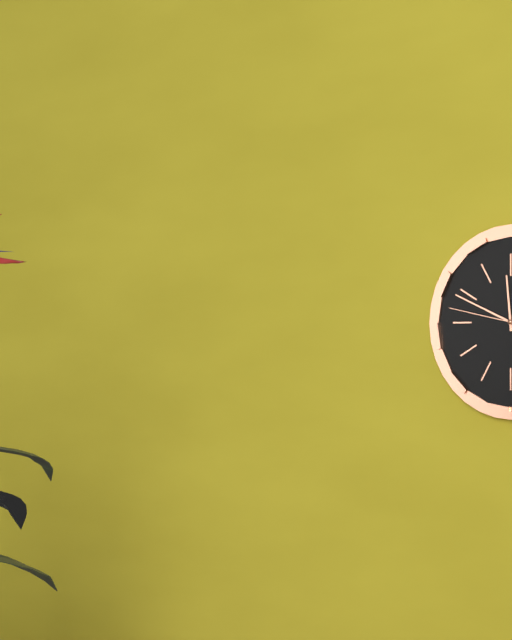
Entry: h=11 m=49 s=47
